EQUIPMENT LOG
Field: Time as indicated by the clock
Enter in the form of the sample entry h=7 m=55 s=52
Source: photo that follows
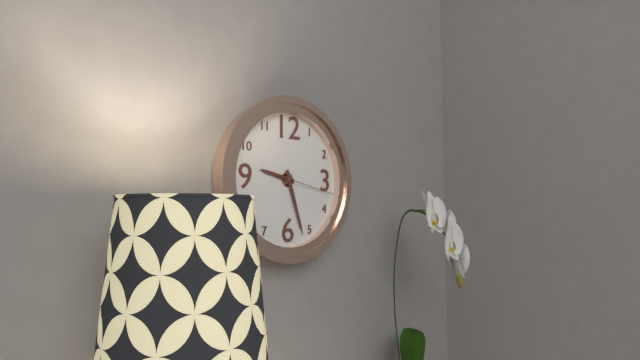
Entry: h=9 m=27 s=17
